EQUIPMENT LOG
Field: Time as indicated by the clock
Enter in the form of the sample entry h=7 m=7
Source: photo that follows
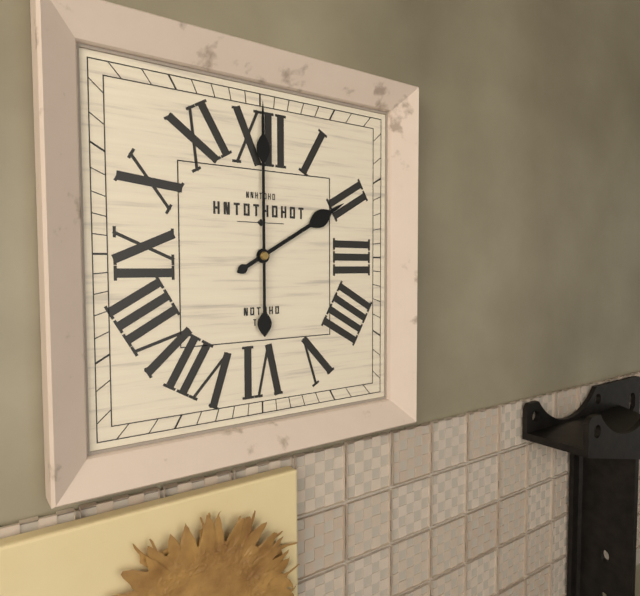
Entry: h=2 m=0
